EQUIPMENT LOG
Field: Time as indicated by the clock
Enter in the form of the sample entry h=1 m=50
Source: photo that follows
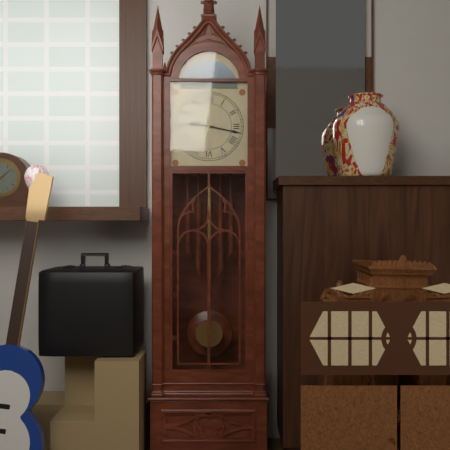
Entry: h=9 m=17
